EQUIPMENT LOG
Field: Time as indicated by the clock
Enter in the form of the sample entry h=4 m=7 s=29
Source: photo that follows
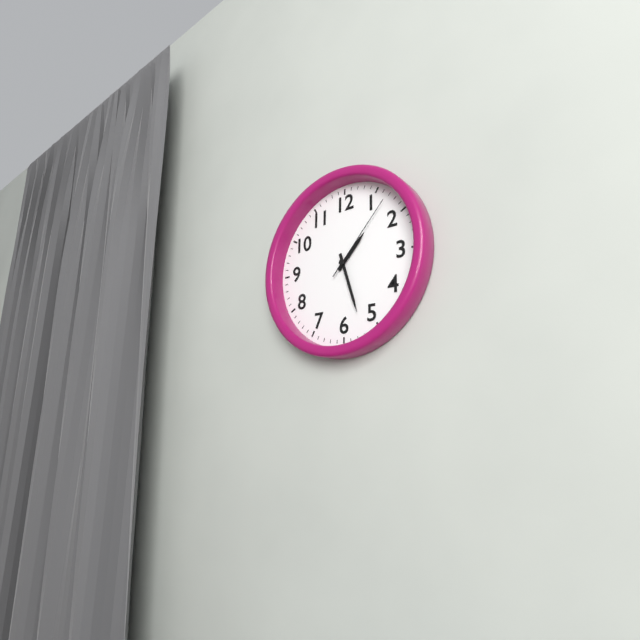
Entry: h=1 m=27 s=7
